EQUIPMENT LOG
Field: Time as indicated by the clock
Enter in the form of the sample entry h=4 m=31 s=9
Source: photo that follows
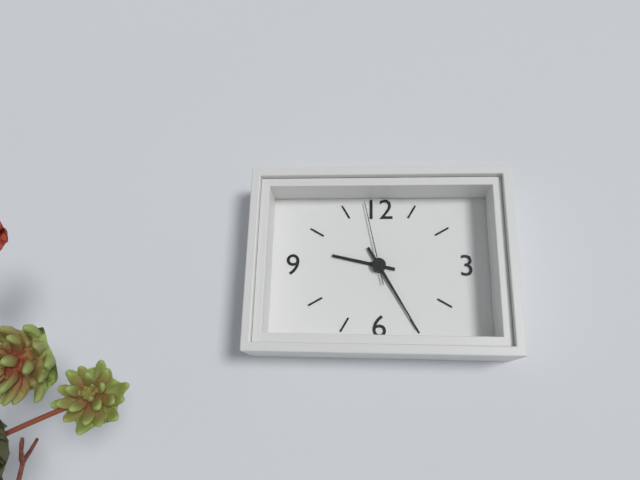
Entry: h=9 m=25 s=58
